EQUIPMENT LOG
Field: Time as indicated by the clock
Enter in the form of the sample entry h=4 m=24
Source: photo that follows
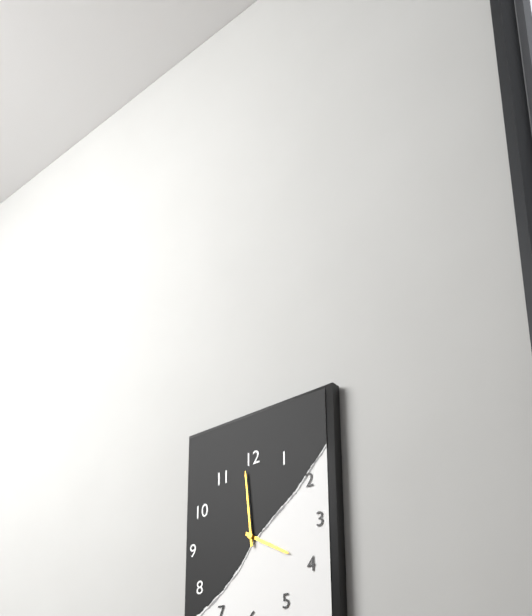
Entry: h=3 m=59
